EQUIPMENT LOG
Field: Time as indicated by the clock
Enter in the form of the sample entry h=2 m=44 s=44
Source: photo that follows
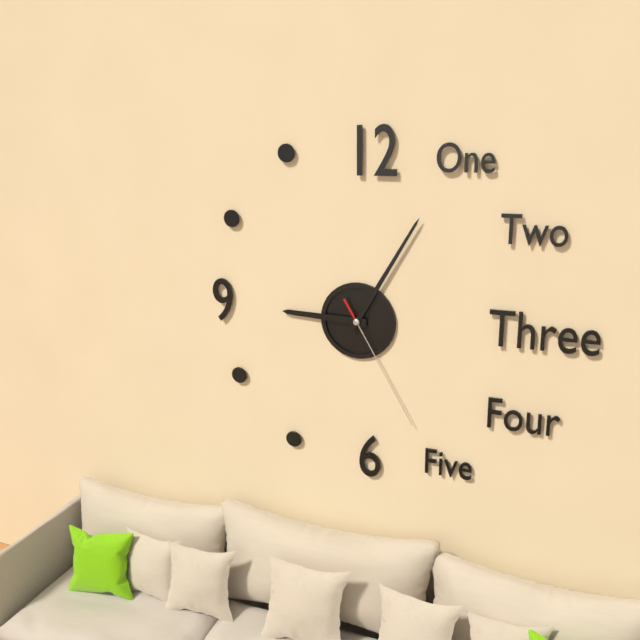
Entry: h=9 m=5 s=25
